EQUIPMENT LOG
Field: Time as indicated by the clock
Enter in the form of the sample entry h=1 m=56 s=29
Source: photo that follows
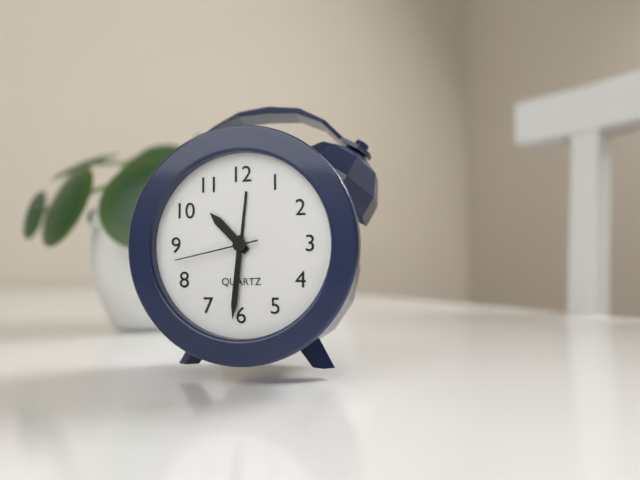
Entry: h=10 m=31 s=43
